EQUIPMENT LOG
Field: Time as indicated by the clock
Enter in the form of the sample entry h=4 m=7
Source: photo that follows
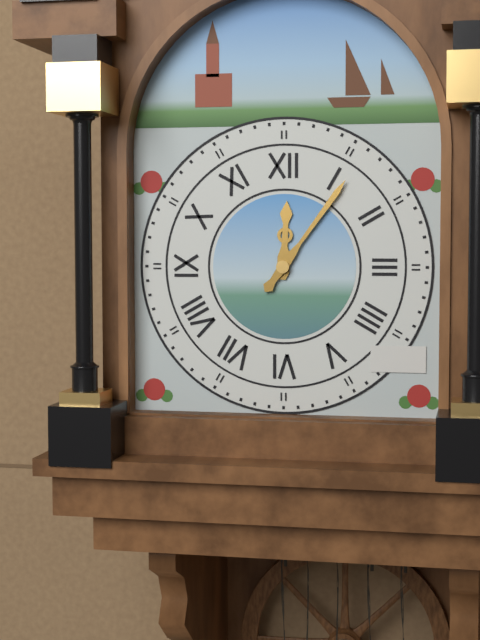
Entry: h=12 m=6
